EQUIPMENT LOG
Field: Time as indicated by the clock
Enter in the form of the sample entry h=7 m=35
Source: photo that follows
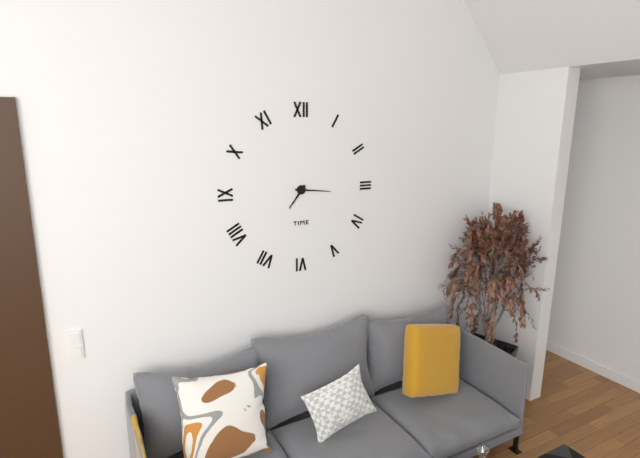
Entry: h=7 m=16
